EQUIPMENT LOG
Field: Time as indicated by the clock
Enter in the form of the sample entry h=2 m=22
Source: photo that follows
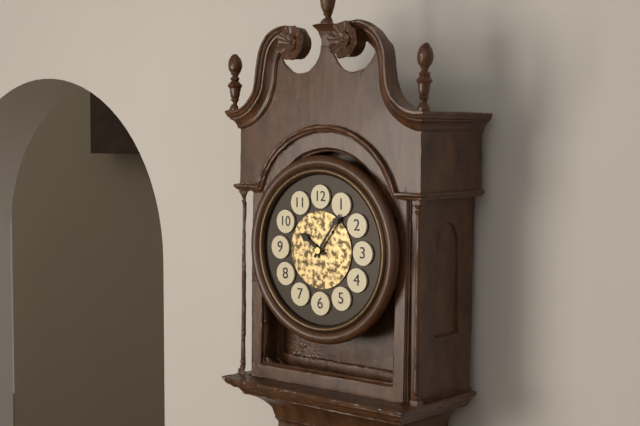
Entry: h=10 m=6
